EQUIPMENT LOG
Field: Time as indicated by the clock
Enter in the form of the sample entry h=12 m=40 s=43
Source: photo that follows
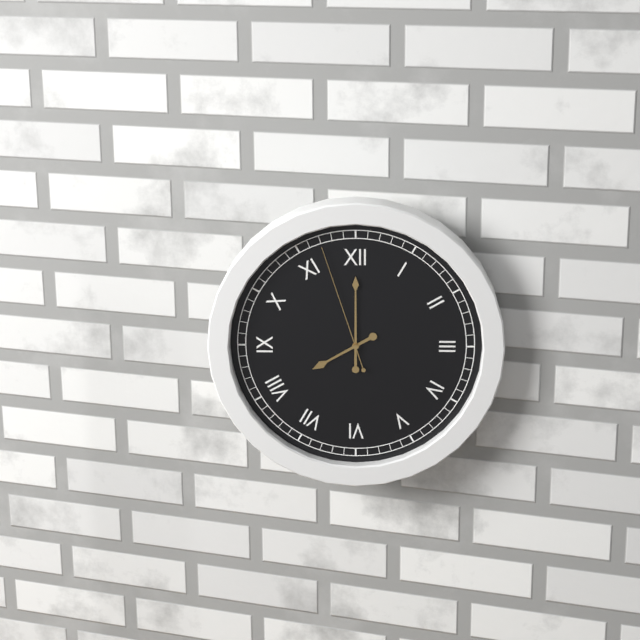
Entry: h=8 m=0 s=57
